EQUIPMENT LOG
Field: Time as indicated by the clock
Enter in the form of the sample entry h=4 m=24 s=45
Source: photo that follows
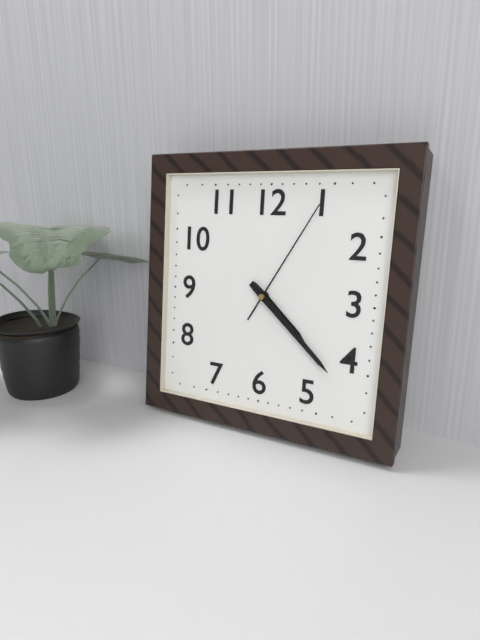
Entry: h=4 m=22 s=5
